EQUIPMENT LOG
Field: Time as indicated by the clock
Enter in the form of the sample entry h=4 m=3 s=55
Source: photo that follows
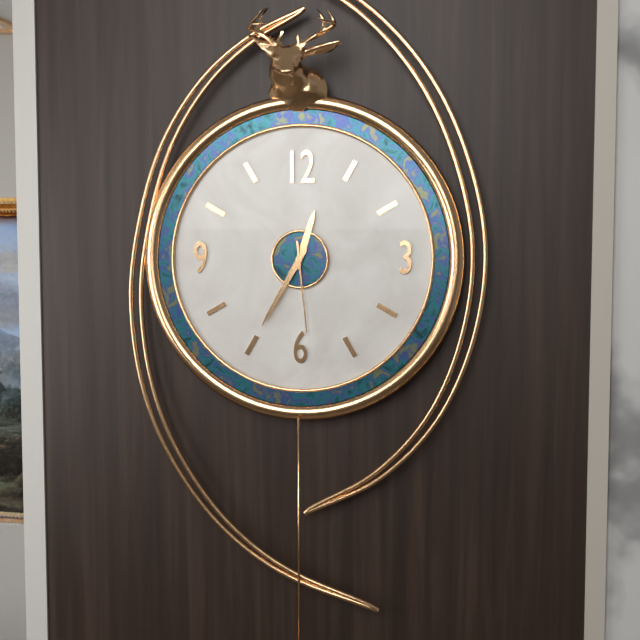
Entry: h=12 m=35 s=29
